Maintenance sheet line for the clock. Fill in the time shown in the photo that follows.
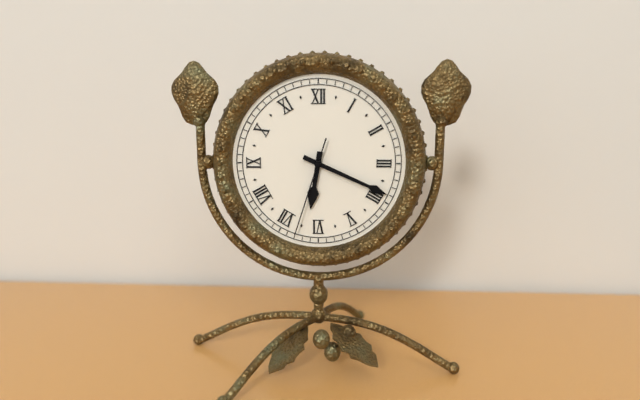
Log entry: 6:19:33
